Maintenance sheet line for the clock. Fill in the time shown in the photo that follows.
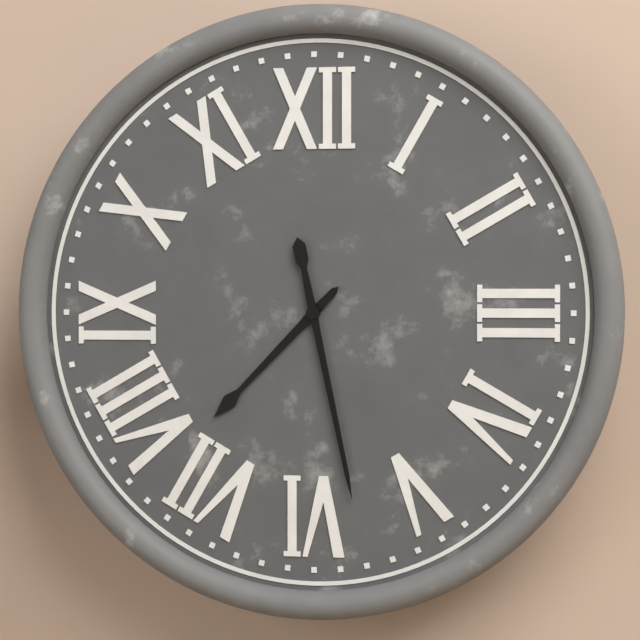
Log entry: 7:28
